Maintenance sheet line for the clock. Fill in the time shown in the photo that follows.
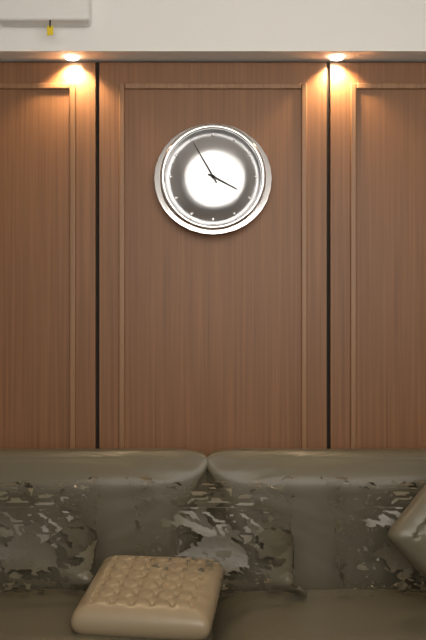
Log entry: 3:55
